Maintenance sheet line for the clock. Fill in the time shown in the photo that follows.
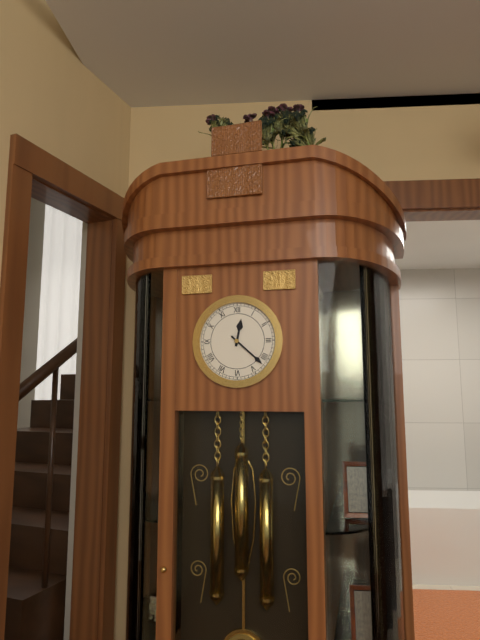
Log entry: 12:22
